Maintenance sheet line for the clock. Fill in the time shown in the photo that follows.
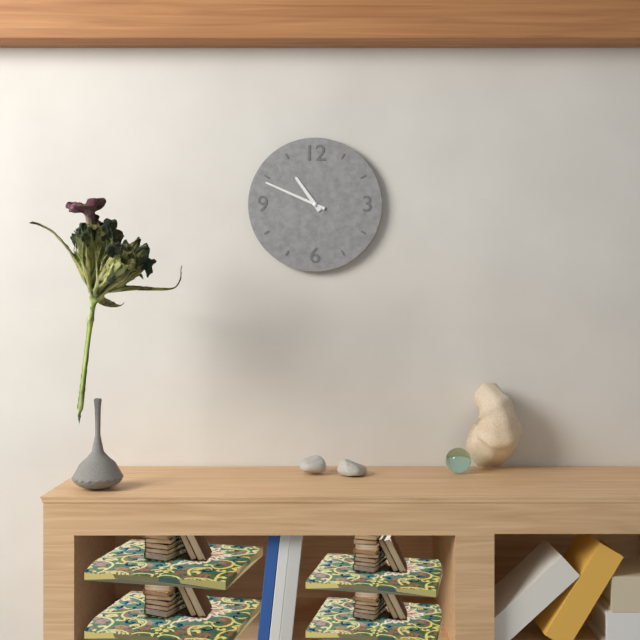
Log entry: 10:49
